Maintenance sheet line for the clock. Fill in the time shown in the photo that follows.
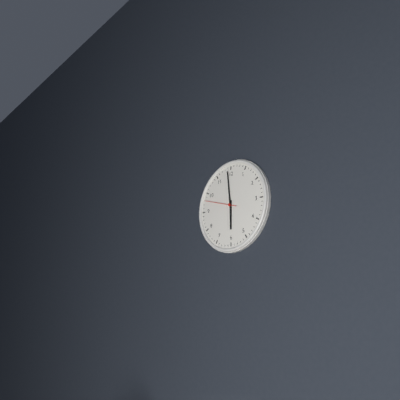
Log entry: 5:59
